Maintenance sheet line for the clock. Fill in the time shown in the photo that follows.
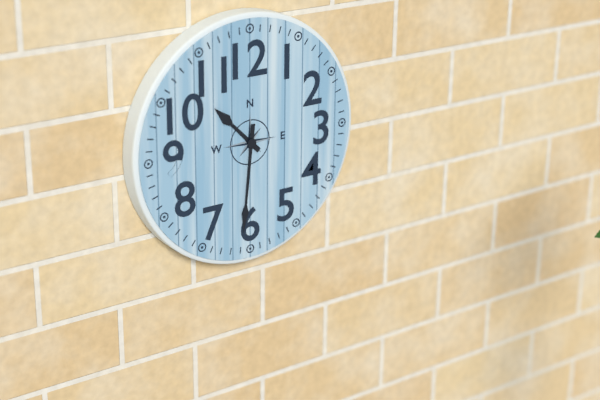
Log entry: 10:31
